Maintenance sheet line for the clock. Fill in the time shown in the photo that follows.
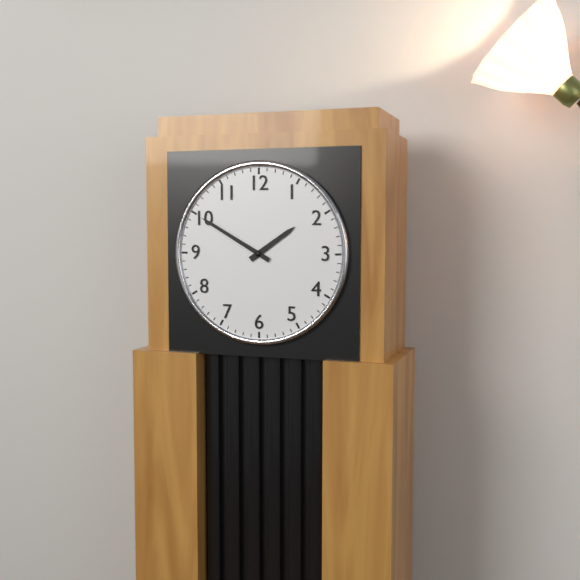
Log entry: 1:50
